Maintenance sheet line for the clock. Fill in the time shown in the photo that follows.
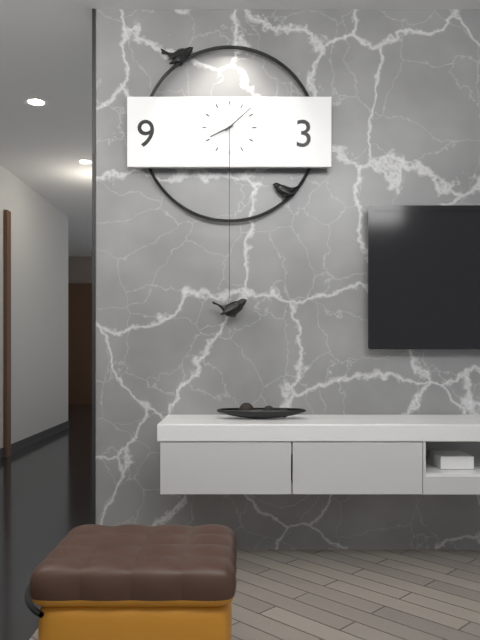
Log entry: 8:08
